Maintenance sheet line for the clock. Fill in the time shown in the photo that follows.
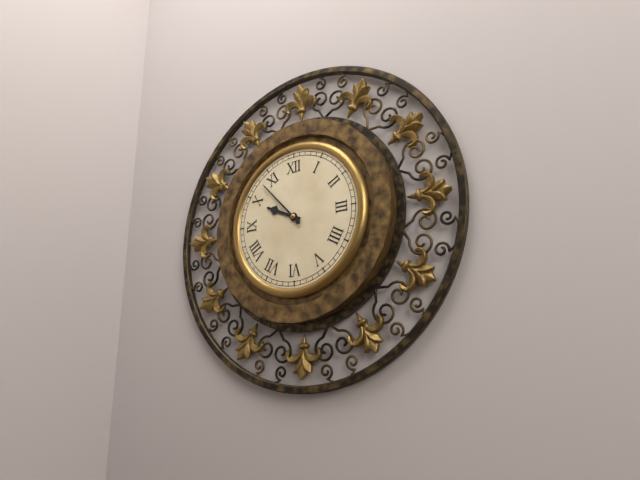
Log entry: 9:53
